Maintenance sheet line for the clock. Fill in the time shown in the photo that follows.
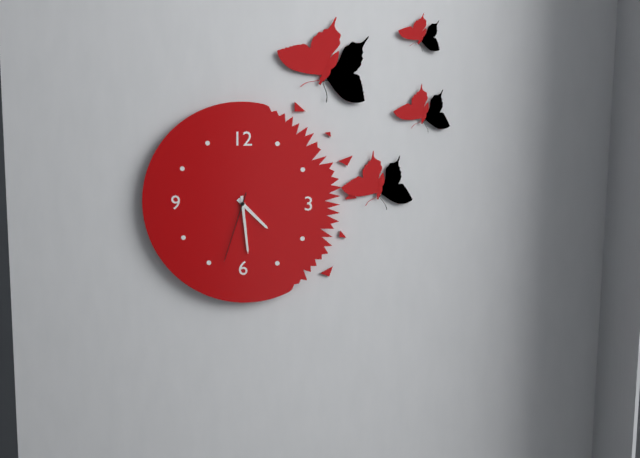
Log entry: 4:29:33
